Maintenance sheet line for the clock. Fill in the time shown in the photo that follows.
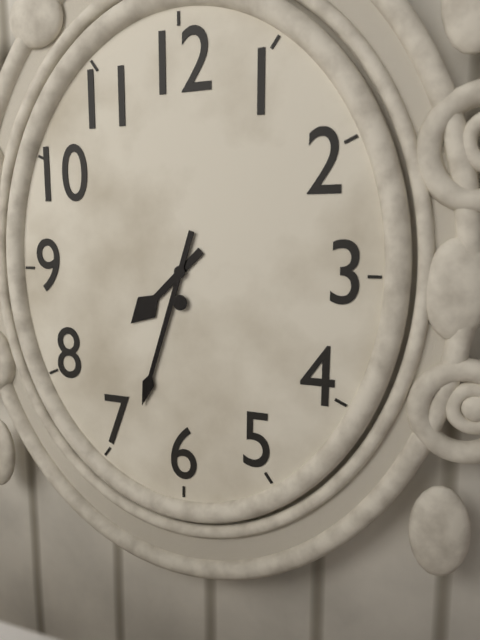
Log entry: 7:33
